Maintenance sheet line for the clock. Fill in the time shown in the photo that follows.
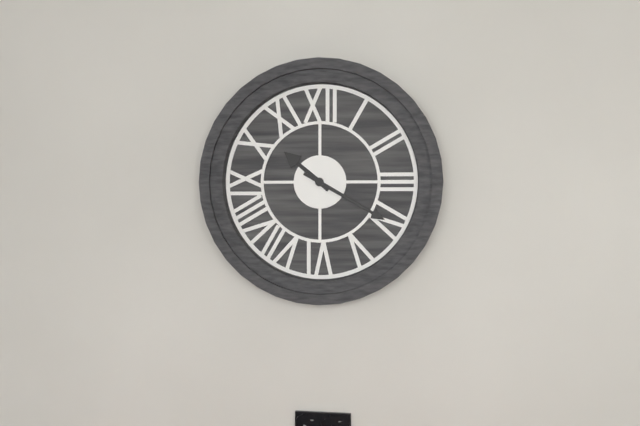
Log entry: 10:20
